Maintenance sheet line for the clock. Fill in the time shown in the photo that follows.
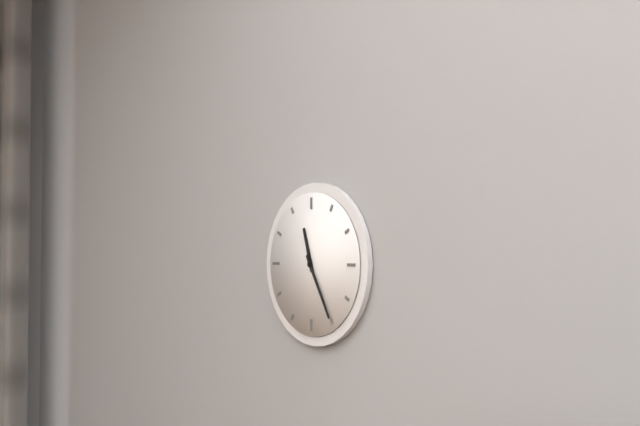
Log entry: 11:25
